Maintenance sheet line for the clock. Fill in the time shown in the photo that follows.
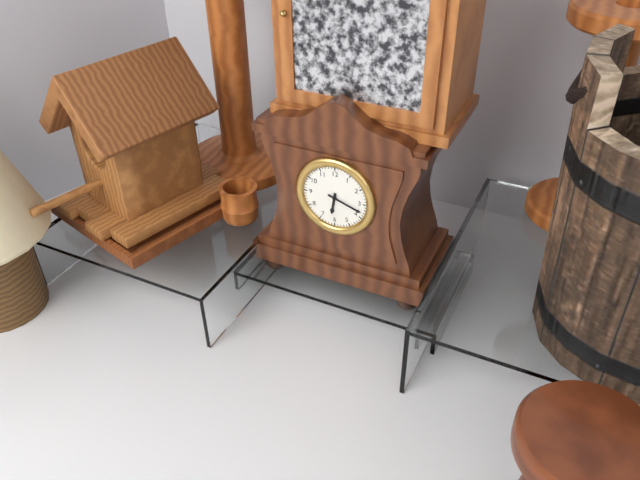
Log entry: 6:18
